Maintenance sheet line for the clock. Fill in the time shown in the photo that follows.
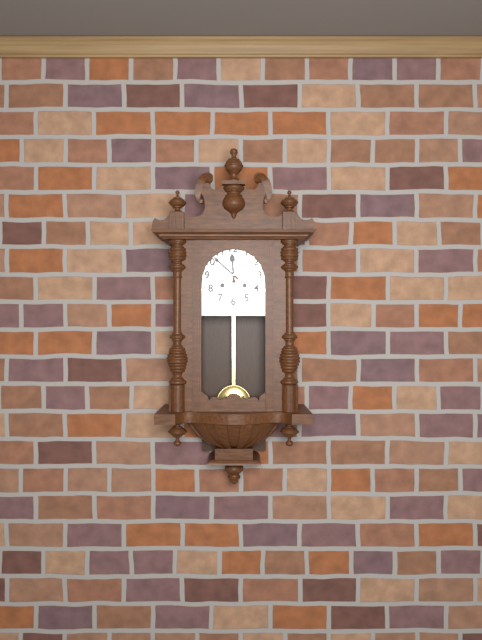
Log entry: 11:52
